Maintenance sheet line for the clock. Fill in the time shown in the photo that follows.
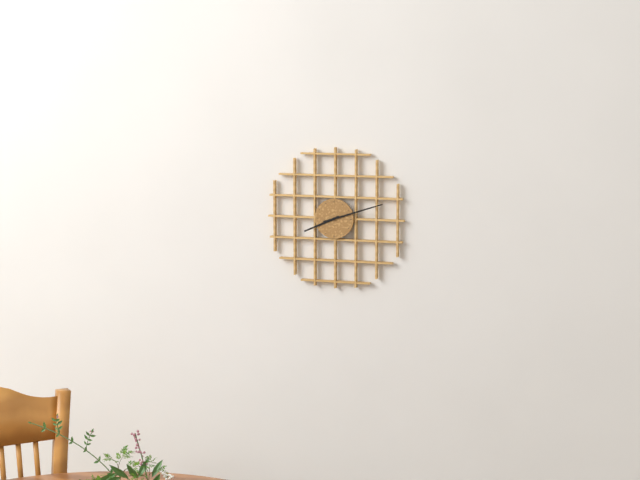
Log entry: 8:12
